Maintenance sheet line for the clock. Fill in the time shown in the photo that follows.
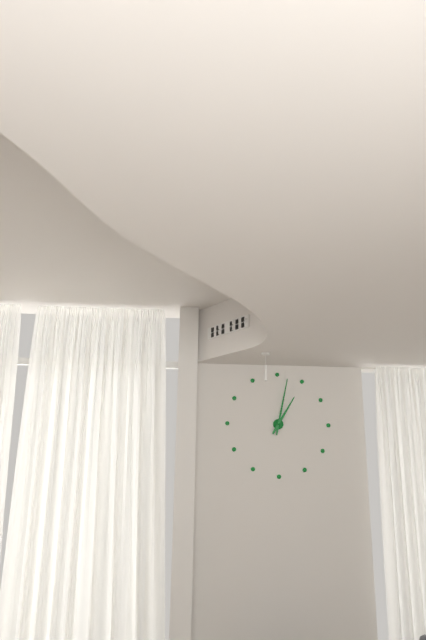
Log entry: 1:02
